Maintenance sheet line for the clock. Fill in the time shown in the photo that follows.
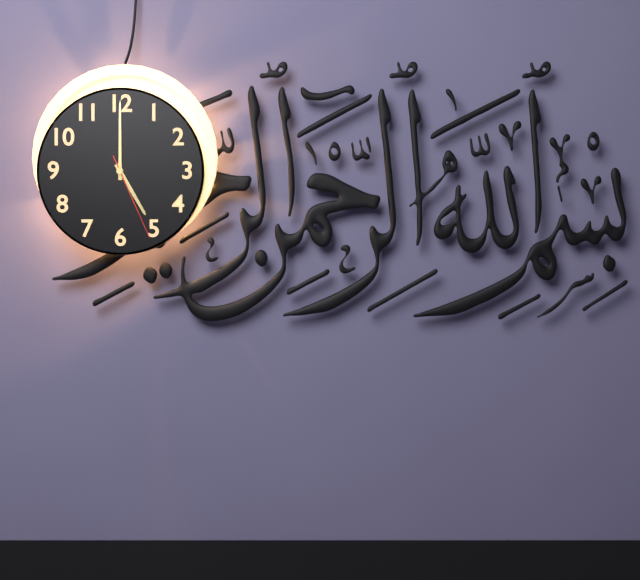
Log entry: 5:00:26
